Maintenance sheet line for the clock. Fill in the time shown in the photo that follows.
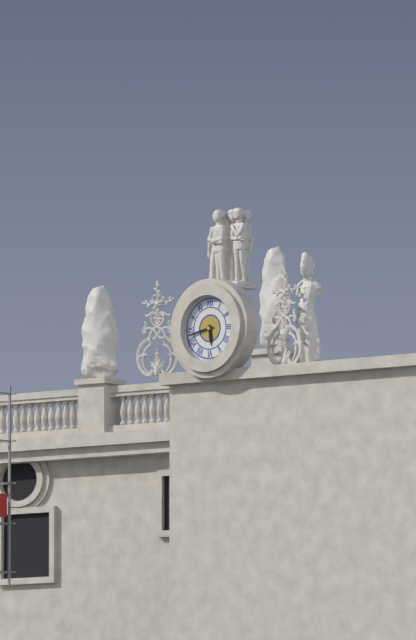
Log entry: 5:43
